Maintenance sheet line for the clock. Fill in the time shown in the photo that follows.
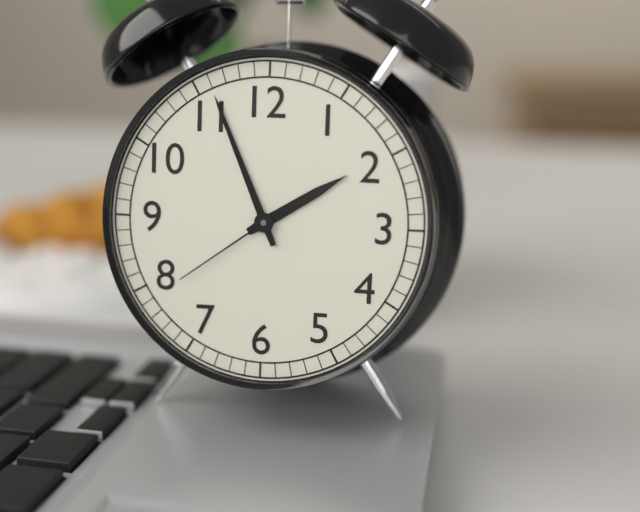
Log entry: 1:56:39
